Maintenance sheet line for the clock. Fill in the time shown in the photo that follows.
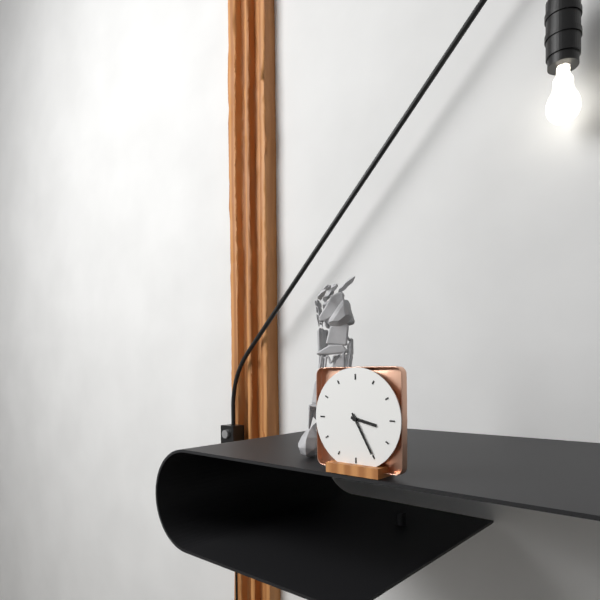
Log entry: 3:25
